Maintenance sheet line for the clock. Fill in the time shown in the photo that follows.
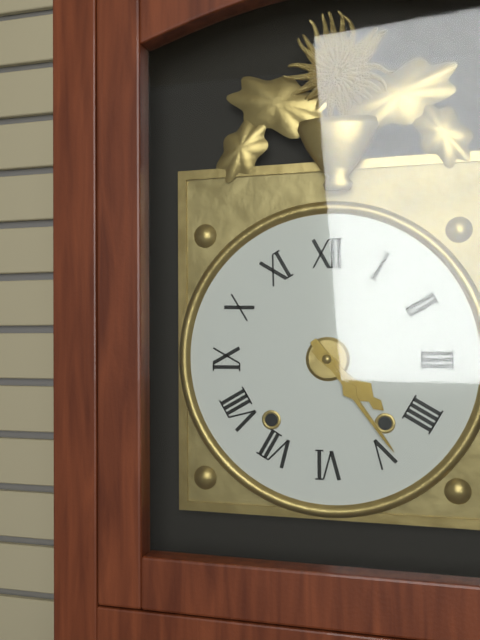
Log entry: 4:24
